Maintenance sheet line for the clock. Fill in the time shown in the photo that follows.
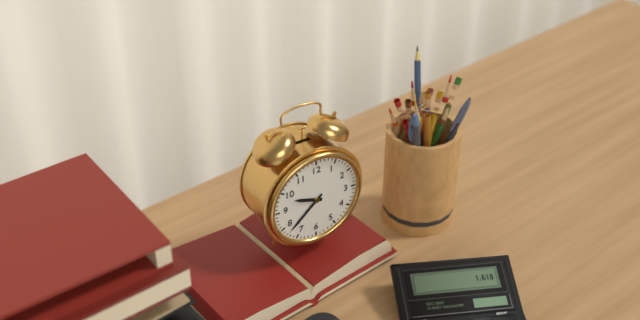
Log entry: 9:38
